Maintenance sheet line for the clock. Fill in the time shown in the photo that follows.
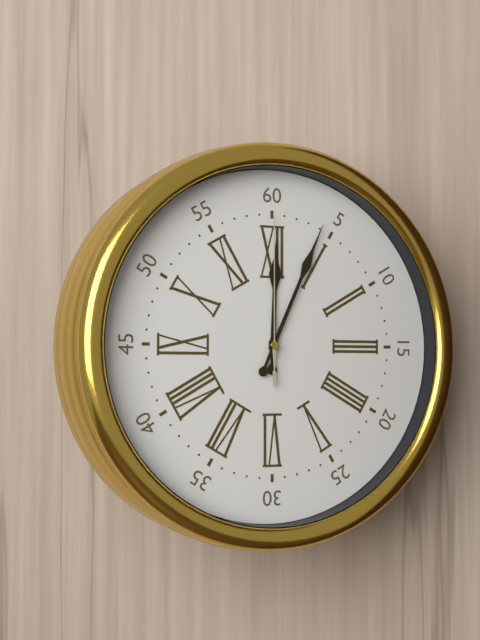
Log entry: 12:04:00
